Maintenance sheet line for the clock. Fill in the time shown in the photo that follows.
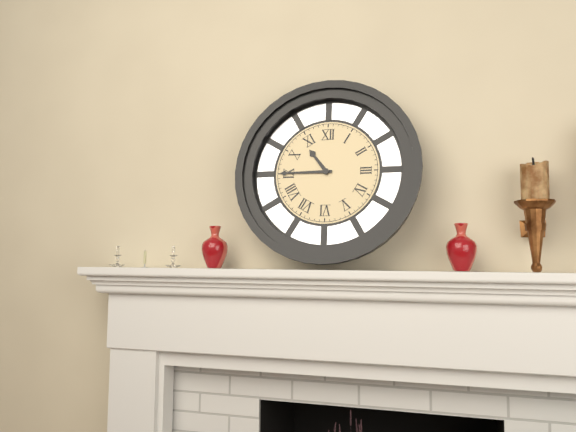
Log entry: 10:45
